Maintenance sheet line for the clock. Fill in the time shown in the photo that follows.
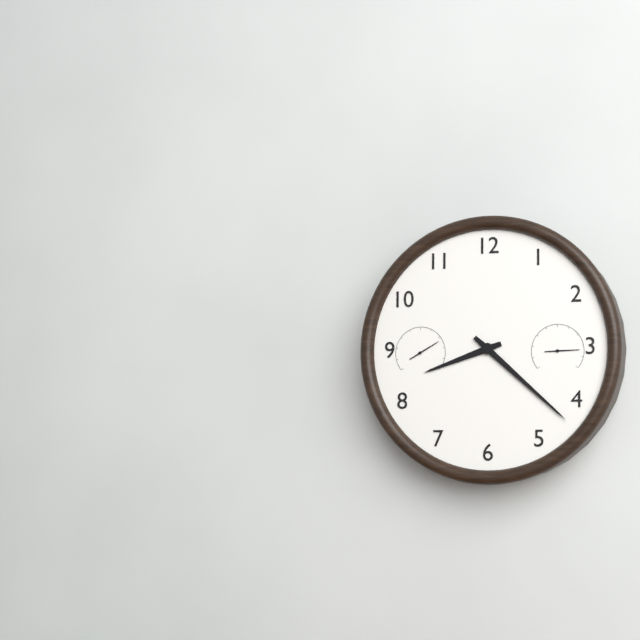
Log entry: 8:22
